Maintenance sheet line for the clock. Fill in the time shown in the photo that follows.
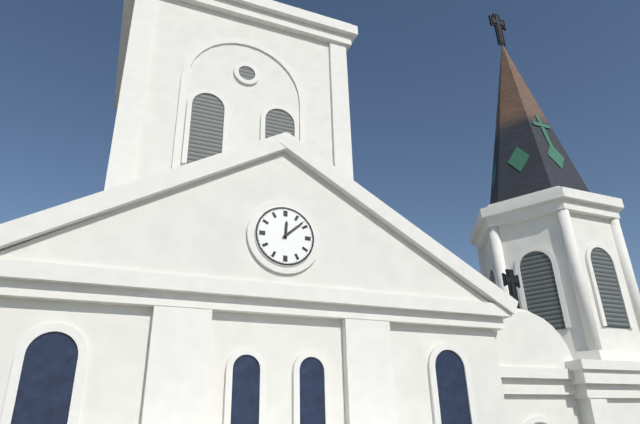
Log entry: 12:08
